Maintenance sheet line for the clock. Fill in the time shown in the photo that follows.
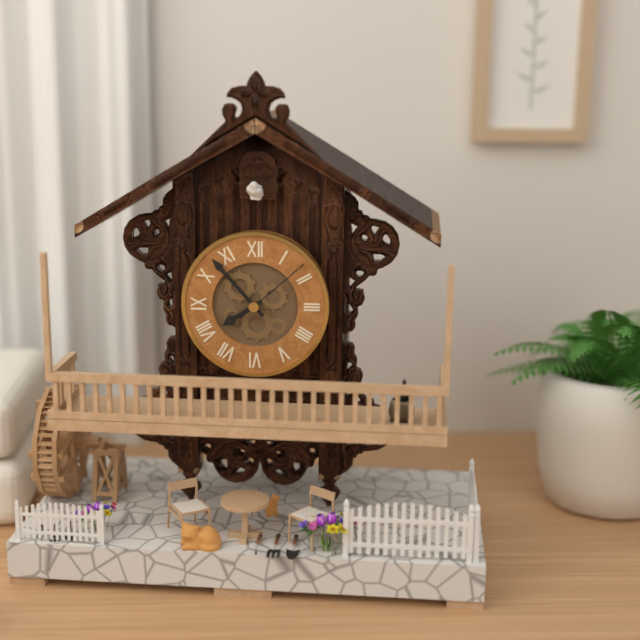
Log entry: 7:53:08
